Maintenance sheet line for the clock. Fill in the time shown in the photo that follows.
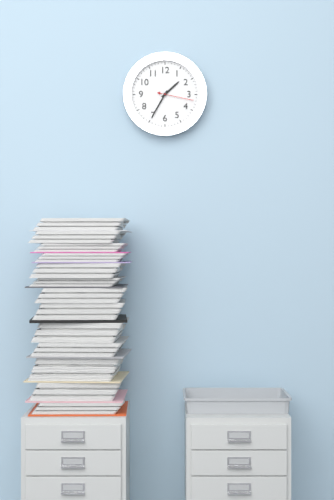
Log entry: 1:35
